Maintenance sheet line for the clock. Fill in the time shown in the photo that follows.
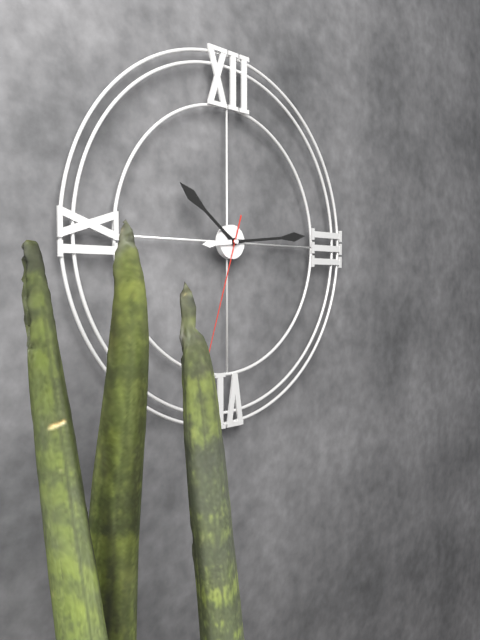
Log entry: 10:14:33
